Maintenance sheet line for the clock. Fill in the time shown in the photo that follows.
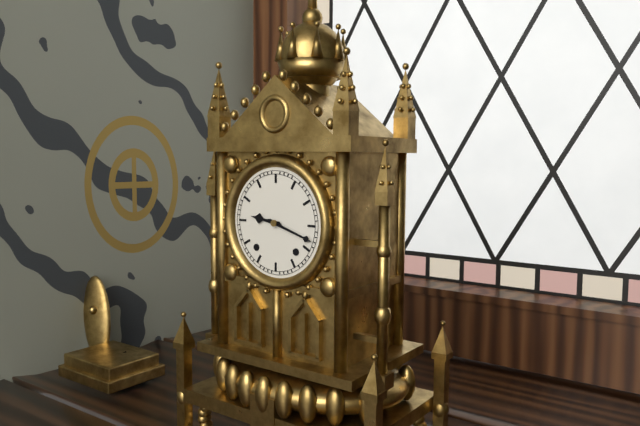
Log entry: 9:18
